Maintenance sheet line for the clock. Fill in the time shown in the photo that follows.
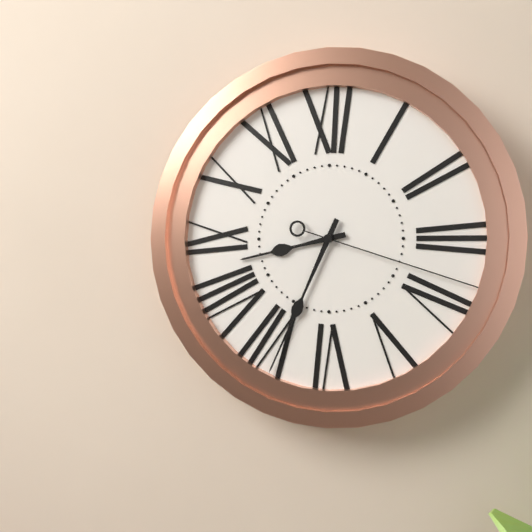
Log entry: 8:34:18
